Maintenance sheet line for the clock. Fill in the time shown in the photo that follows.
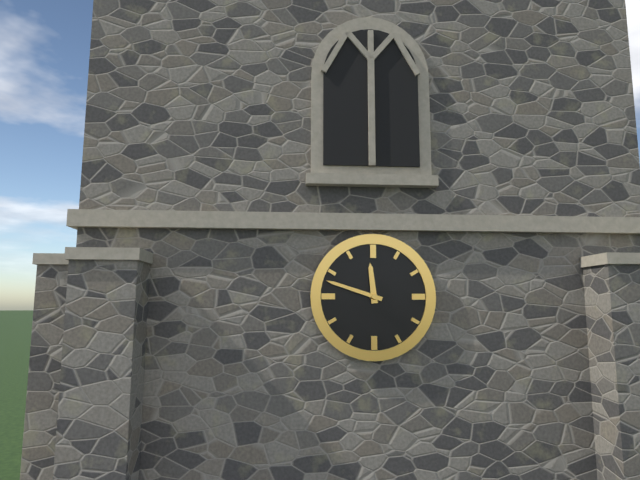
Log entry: 11:48
